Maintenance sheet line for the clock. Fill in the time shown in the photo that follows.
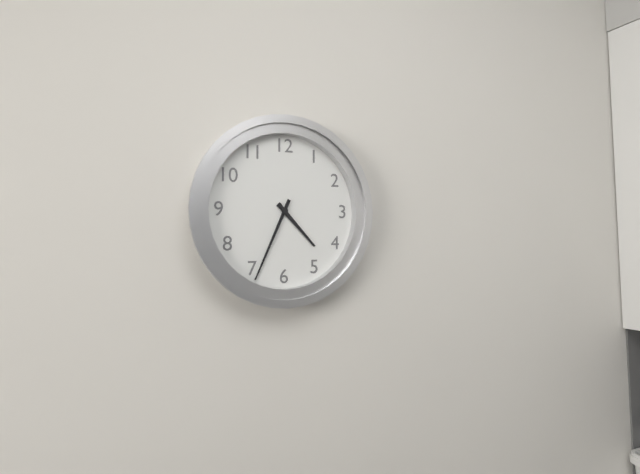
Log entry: 4:34
